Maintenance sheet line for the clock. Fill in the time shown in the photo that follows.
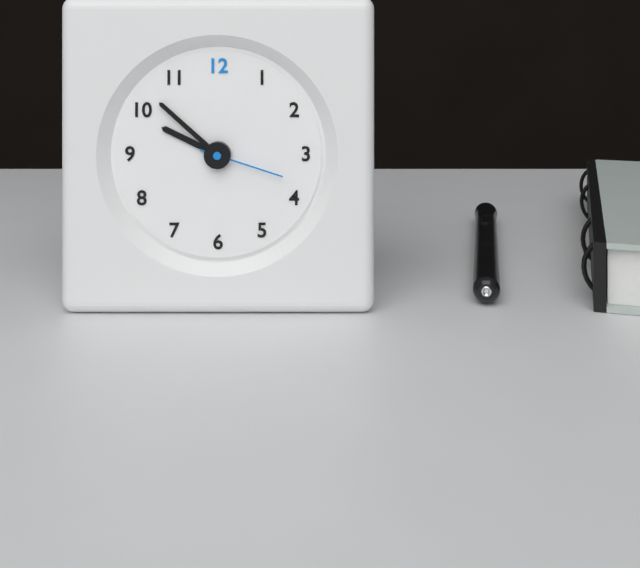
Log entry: 9:52:18
